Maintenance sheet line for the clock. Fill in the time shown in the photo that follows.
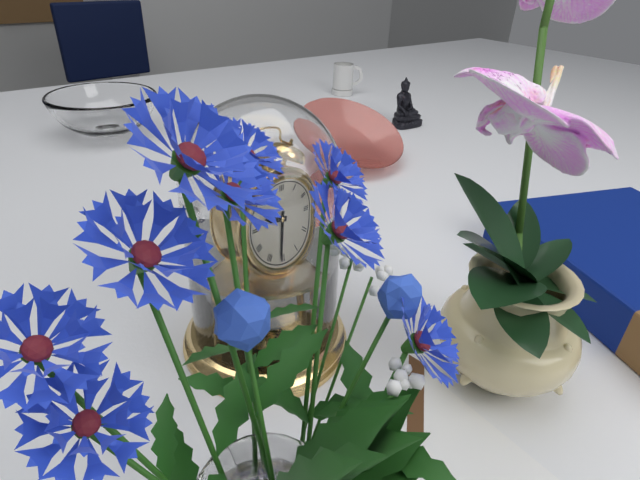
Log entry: 9:31
